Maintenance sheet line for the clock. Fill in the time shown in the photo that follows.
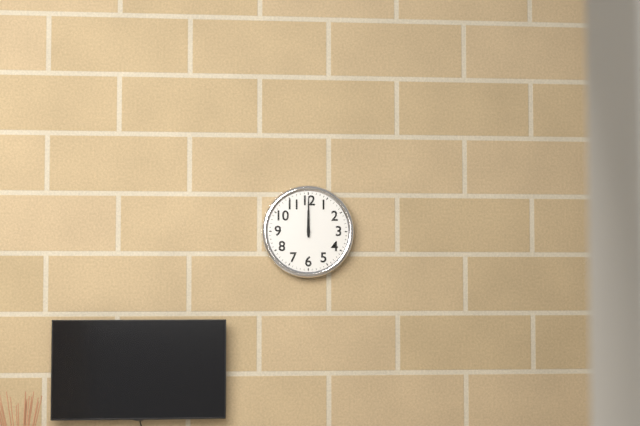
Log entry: 12:00
